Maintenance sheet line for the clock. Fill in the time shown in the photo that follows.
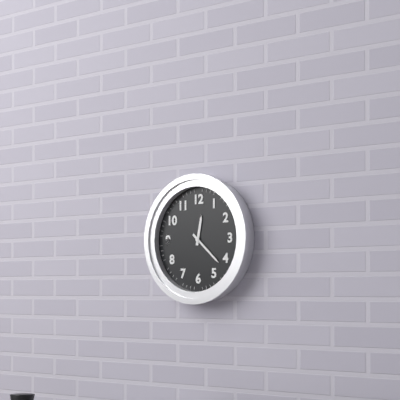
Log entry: 12:22
